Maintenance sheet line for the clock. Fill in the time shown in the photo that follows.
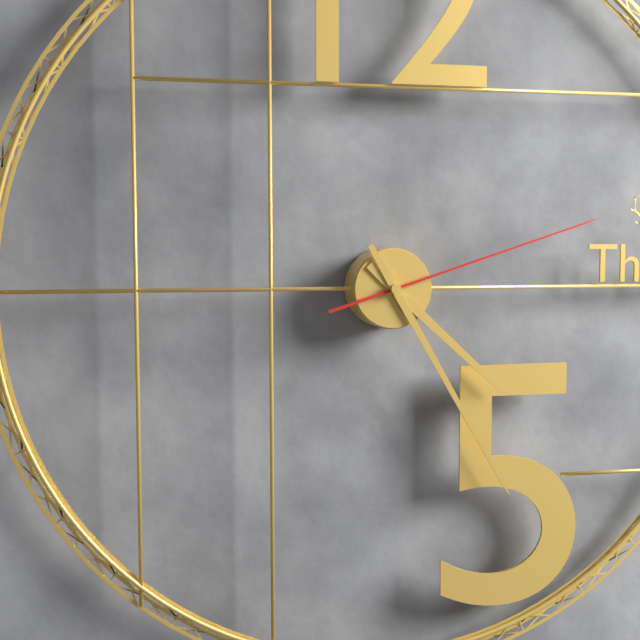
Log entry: 4:25:12
